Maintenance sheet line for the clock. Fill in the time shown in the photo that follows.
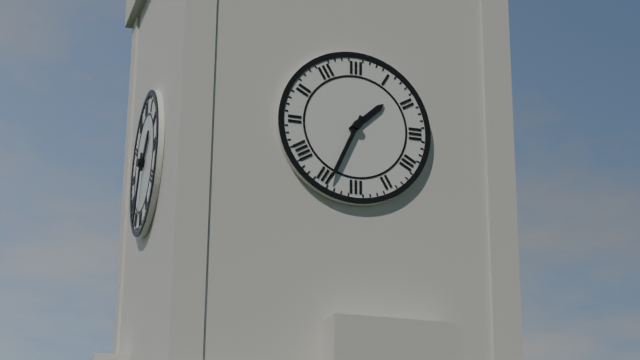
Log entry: 1:34
